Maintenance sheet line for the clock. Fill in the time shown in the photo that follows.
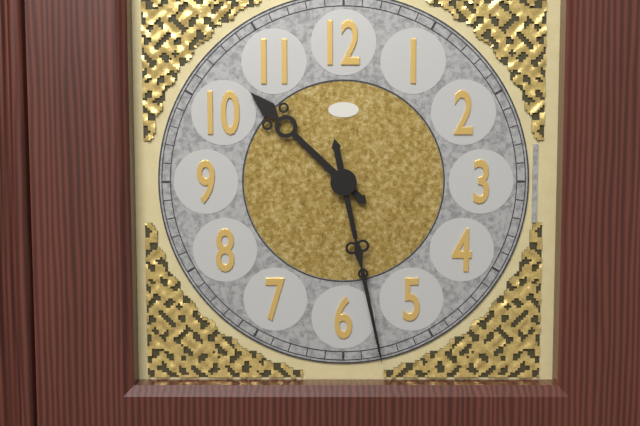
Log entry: 10:28
